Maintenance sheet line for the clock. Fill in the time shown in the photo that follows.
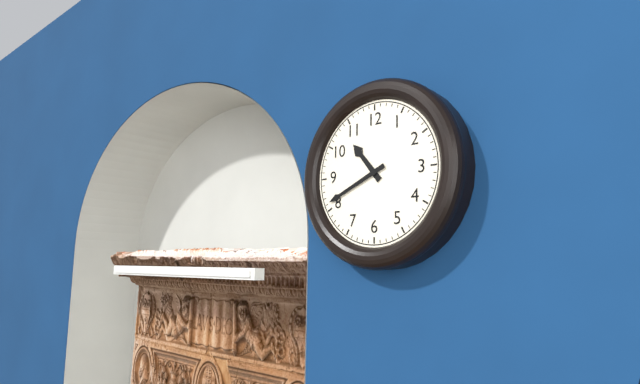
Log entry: 10:41
